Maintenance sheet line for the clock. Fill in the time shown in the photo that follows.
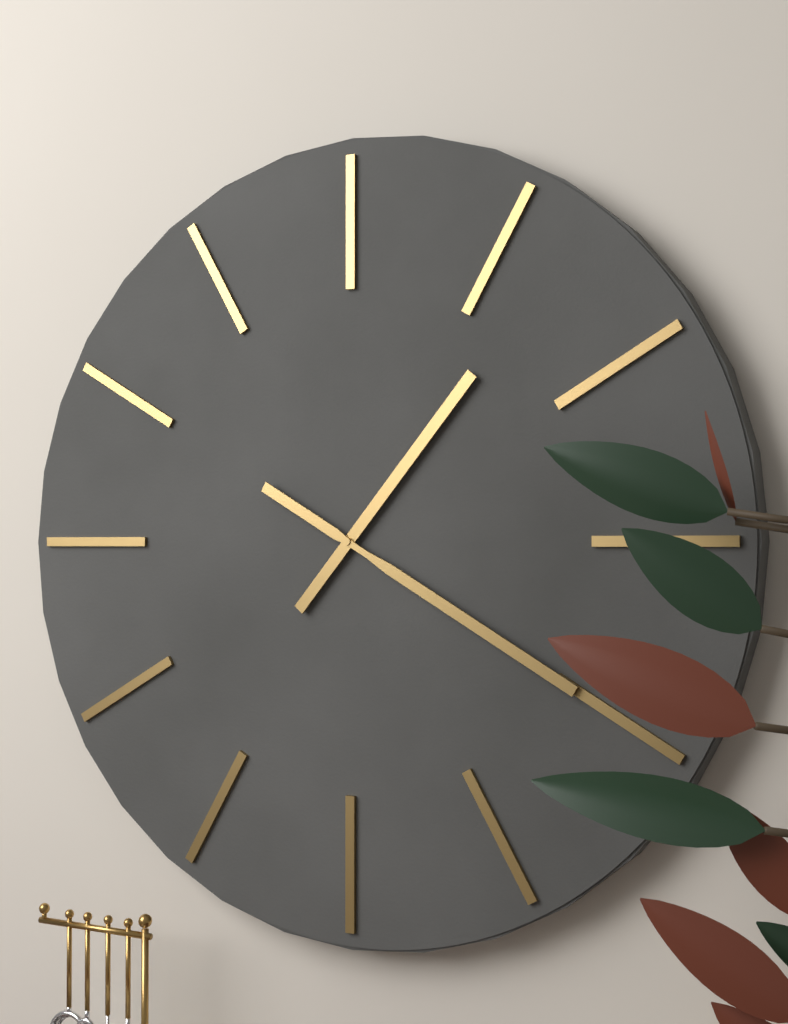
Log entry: 1:20
